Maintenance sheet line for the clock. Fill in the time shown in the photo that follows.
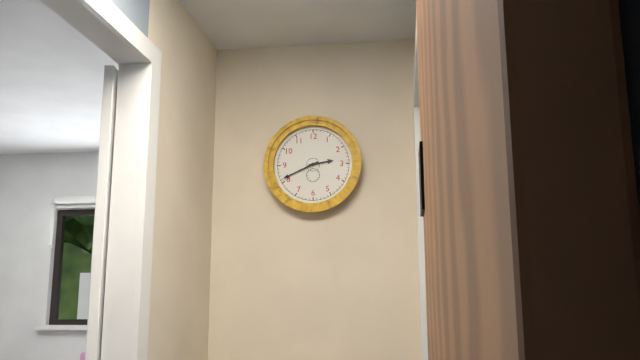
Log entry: 2:41
